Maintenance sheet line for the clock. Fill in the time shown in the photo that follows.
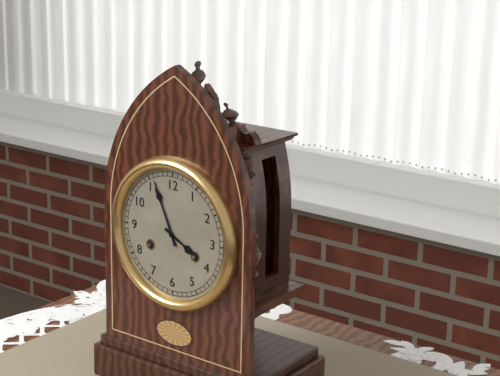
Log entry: 3:56
